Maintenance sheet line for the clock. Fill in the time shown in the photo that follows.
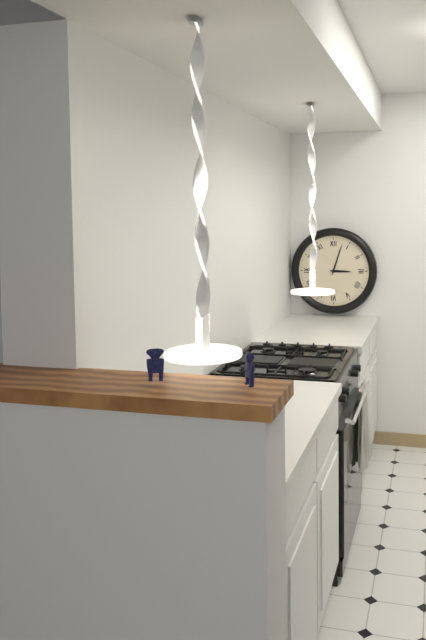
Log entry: 3:03
